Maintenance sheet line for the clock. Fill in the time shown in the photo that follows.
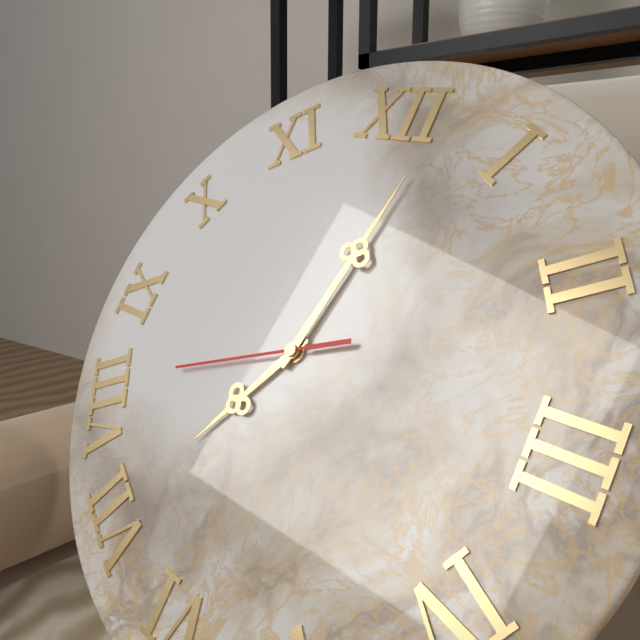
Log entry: 7:02:41
